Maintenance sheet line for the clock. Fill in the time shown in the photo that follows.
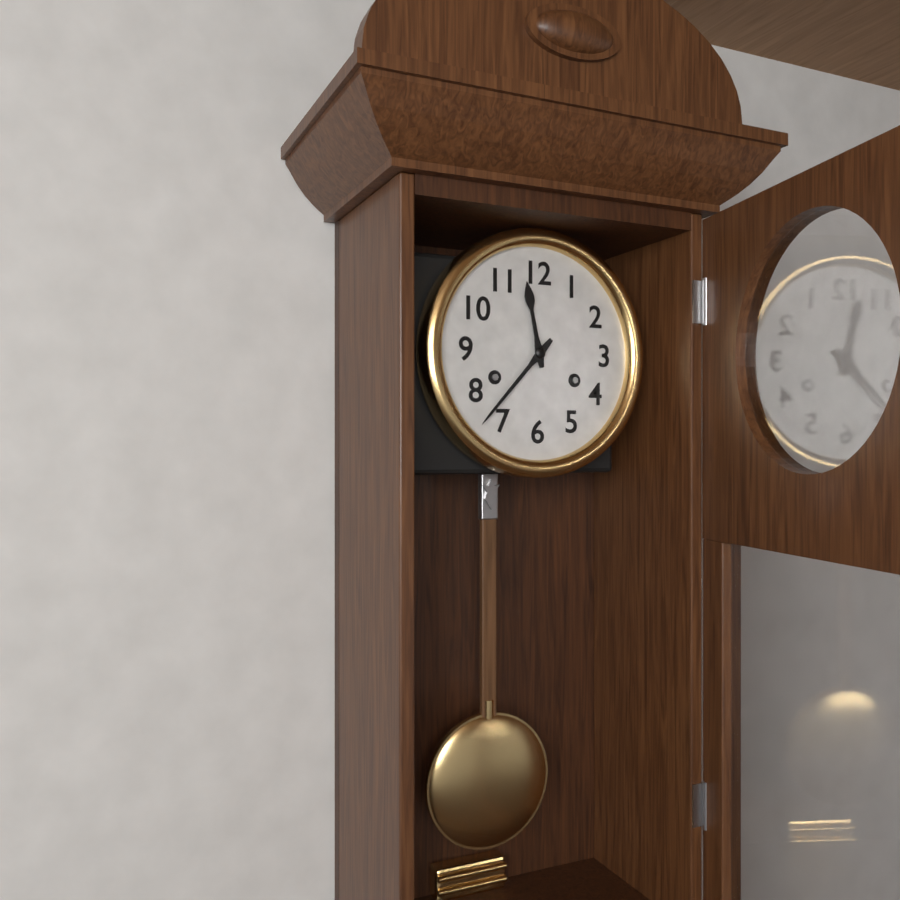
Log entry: 11:37
